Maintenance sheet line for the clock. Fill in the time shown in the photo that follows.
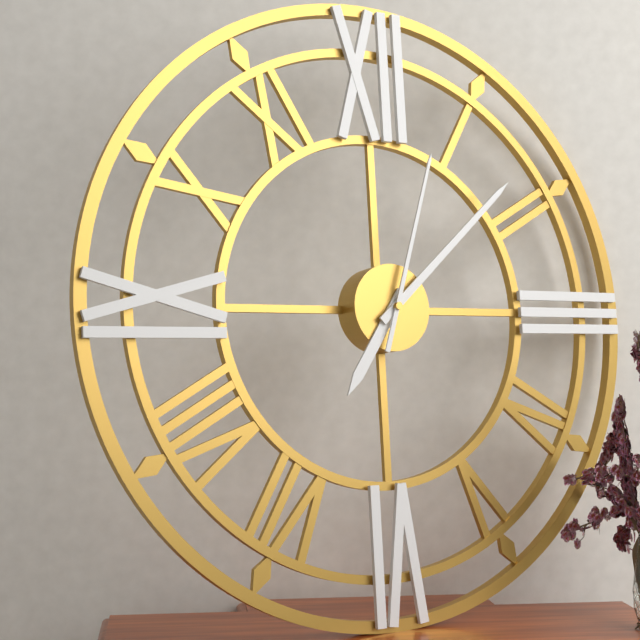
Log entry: 7:08:03
